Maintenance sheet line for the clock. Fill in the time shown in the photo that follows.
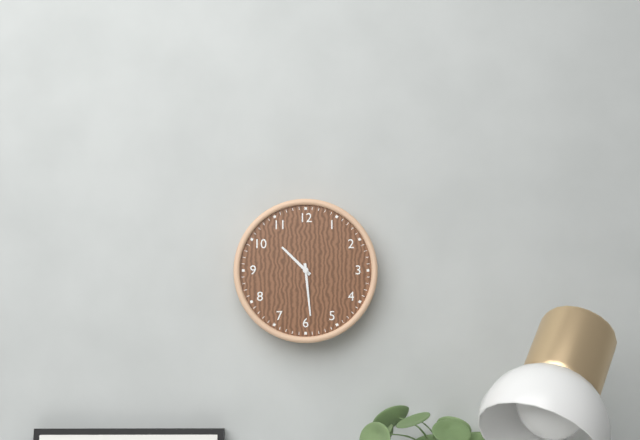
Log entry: 10:29
